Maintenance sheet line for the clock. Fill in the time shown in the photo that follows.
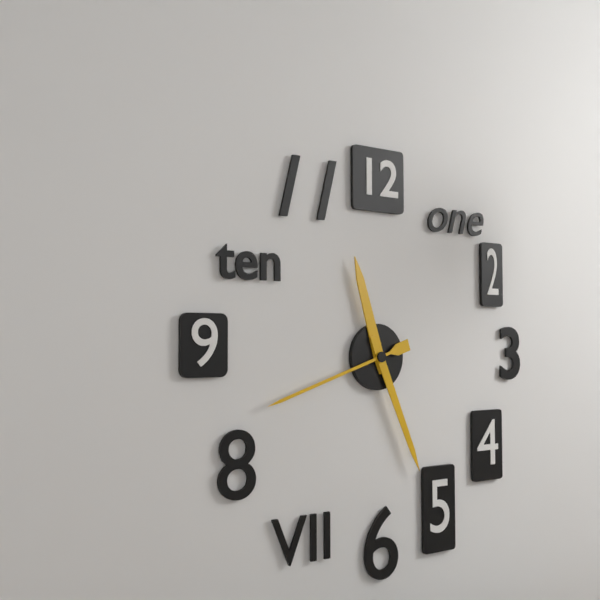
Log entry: 11:26:42
